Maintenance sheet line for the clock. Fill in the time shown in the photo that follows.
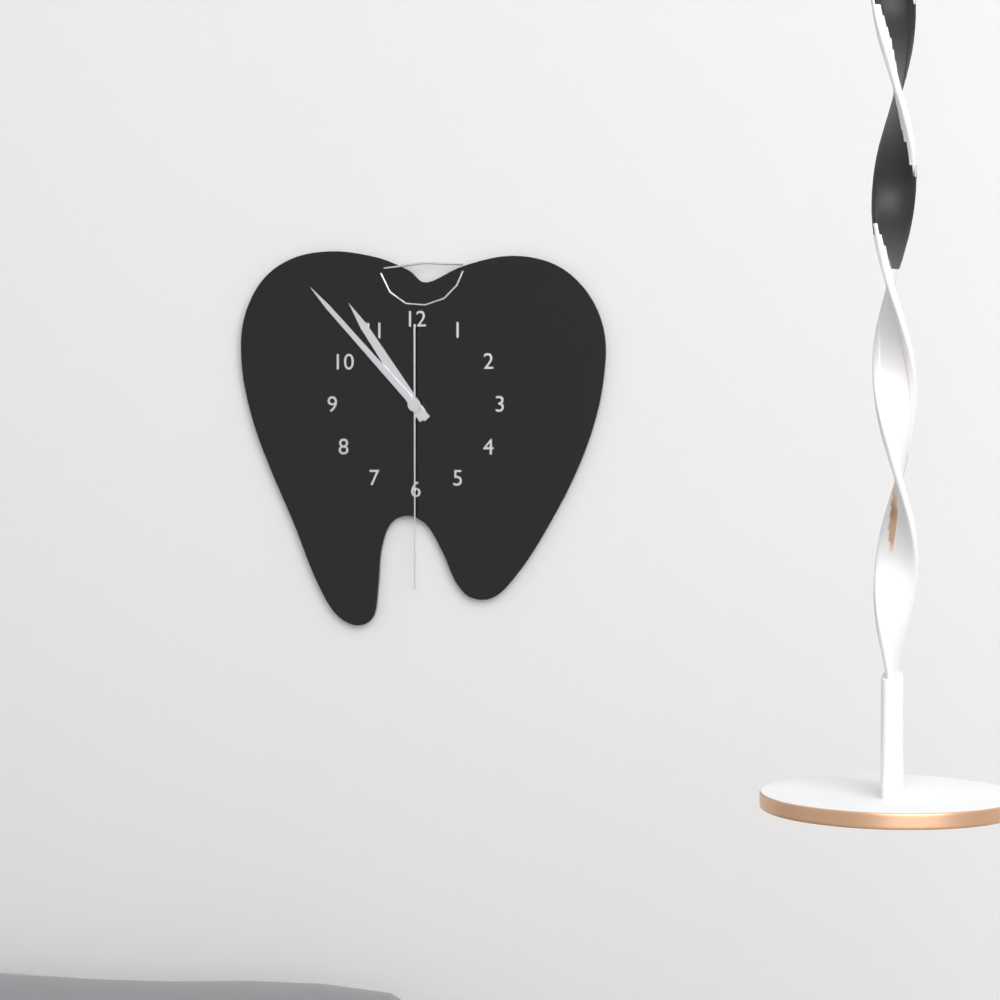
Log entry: 10:53:30
